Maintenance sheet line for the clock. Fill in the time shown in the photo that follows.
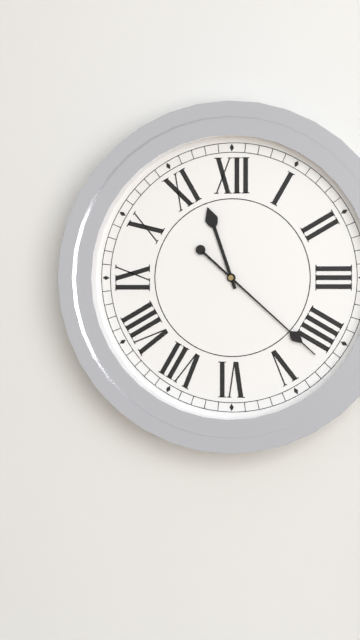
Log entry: 11:22
